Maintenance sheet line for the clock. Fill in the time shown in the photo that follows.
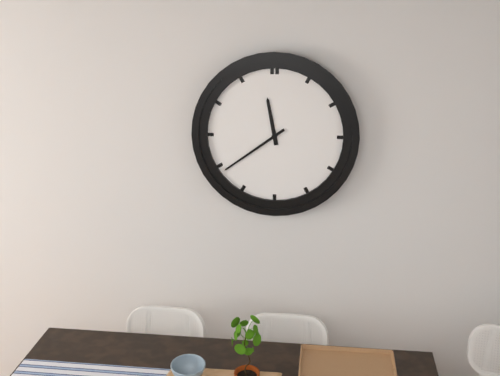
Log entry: 11:39
